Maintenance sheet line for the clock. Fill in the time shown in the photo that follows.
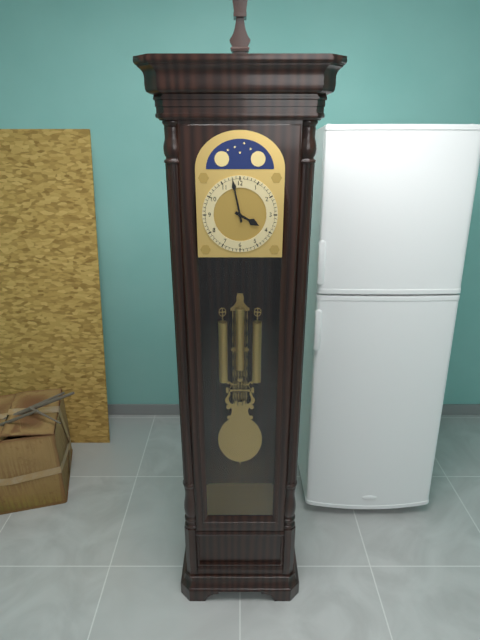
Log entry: 3:58
